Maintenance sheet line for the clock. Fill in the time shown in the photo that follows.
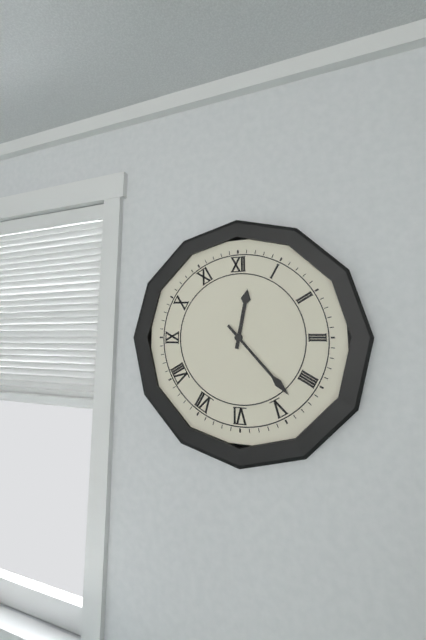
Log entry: 12:23
